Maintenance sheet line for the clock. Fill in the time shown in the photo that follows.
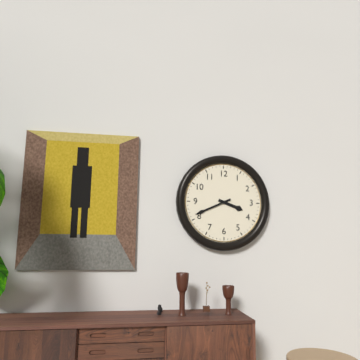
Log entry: 3:41
